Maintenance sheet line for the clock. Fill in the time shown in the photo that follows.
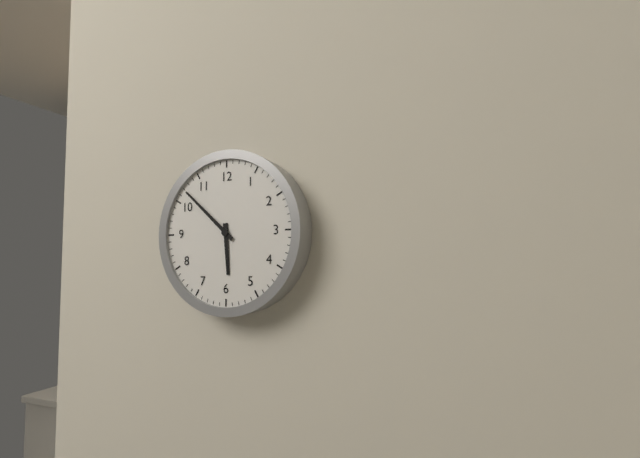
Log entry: 5:52
